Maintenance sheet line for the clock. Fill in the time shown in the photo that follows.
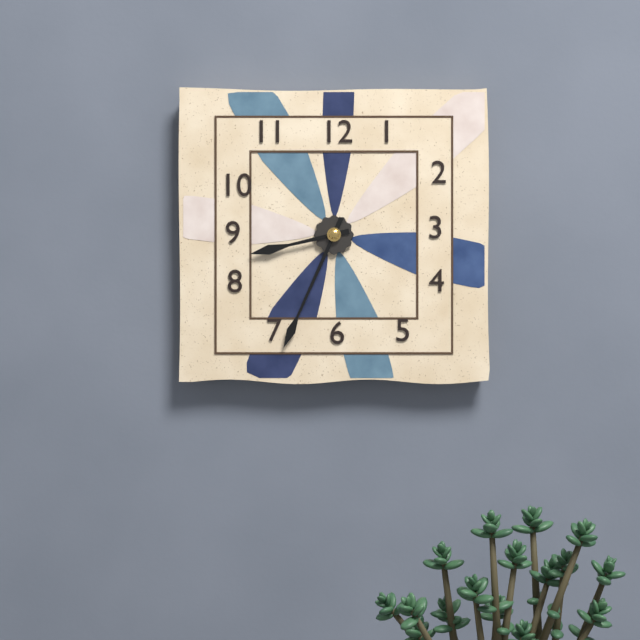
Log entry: 8:34
